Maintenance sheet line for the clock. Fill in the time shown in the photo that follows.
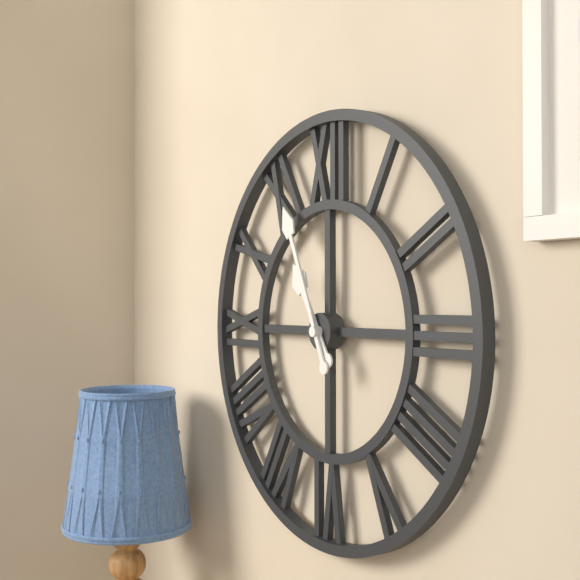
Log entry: 10:56
